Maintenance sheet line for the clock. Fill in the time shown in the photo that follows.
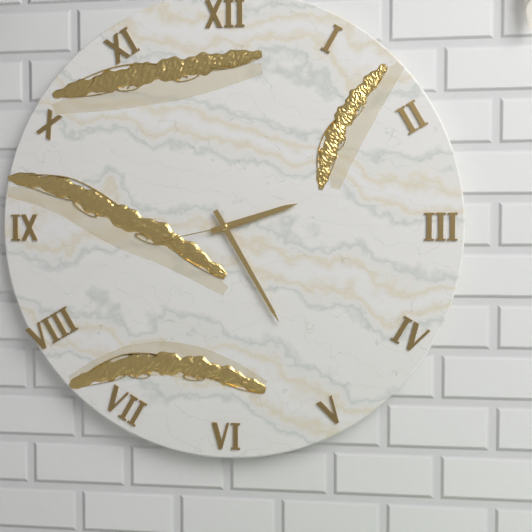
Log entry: 2:25:43
